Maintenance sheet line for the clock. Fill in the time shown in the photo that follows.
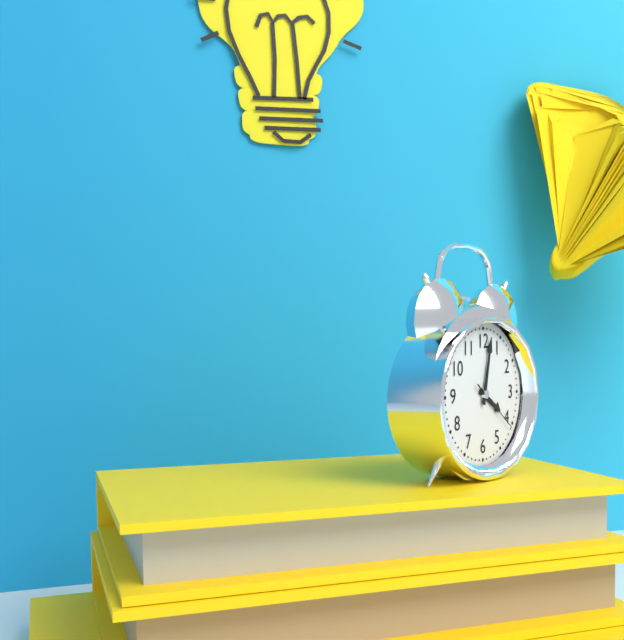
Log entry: 4:02:21
